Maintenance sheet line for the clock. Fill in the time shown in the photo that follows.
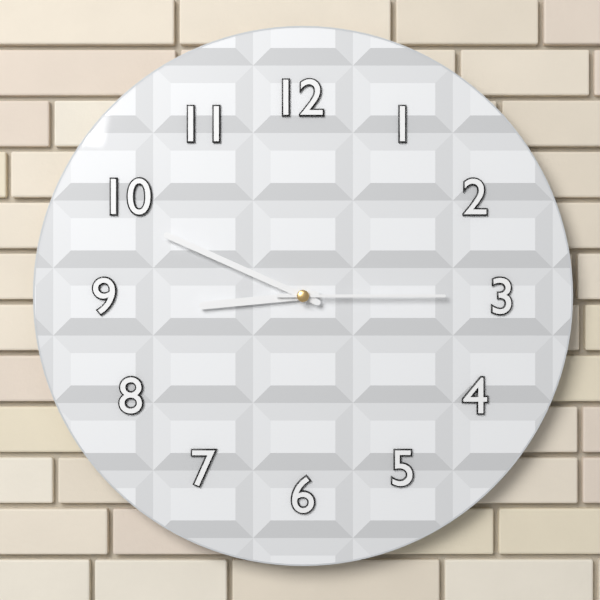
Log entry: 8:49:15
